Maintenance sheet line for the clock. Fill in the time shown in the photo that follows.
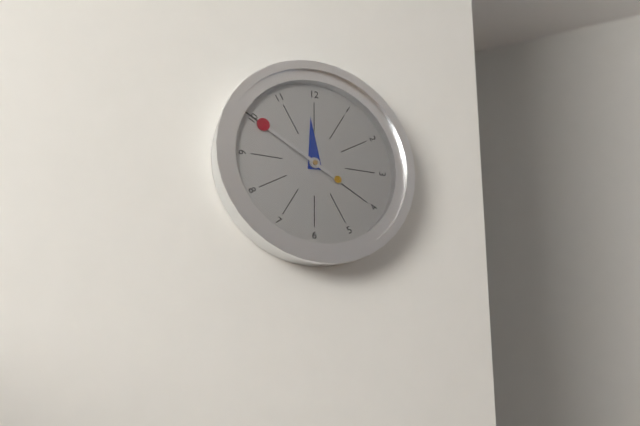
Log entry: 11:50:50
